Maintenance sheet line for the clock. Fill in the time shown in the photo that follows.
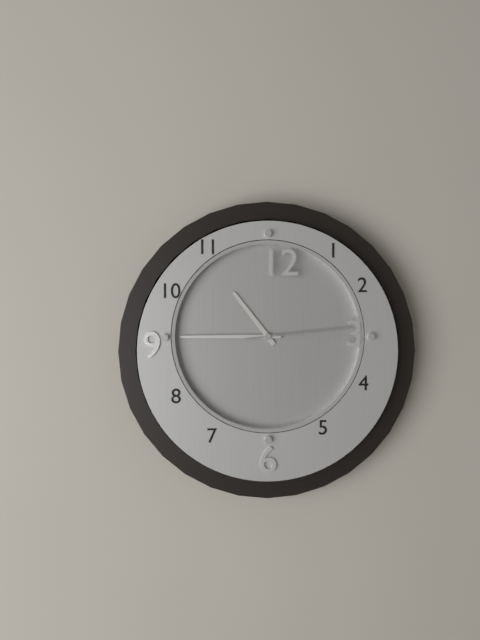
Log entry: 10:45:14
